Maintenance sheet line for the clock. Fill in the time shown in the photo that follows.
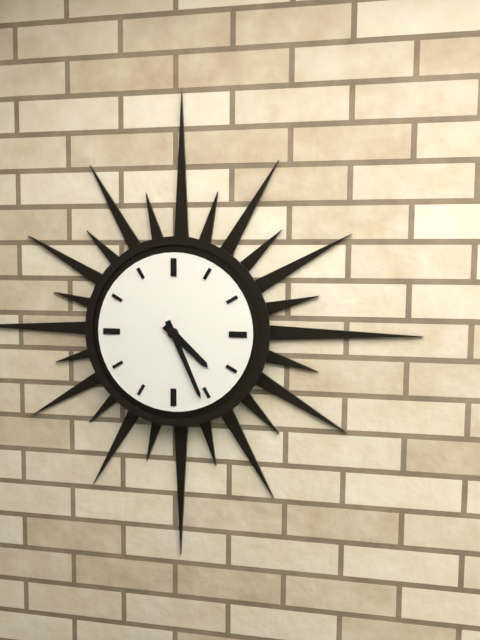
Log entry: 4:26
